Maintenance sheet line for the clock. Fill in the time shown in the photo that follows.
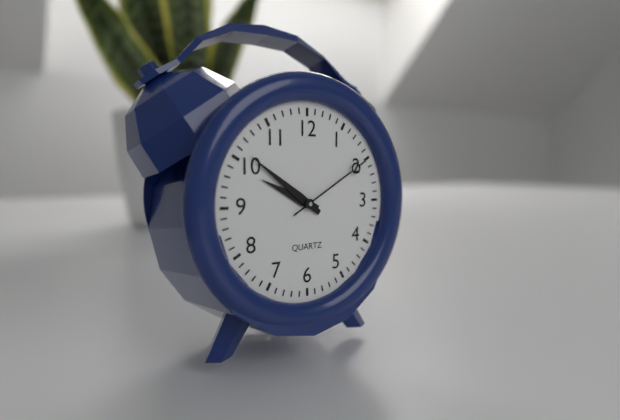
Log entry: 9:51:10
